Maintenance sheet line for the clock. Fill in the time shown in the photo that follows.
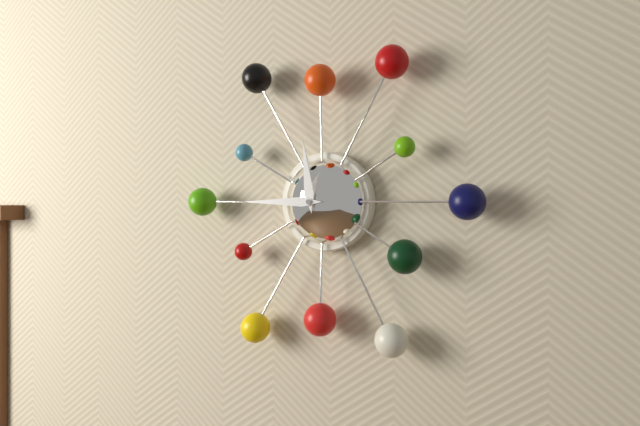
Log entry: 11:45
